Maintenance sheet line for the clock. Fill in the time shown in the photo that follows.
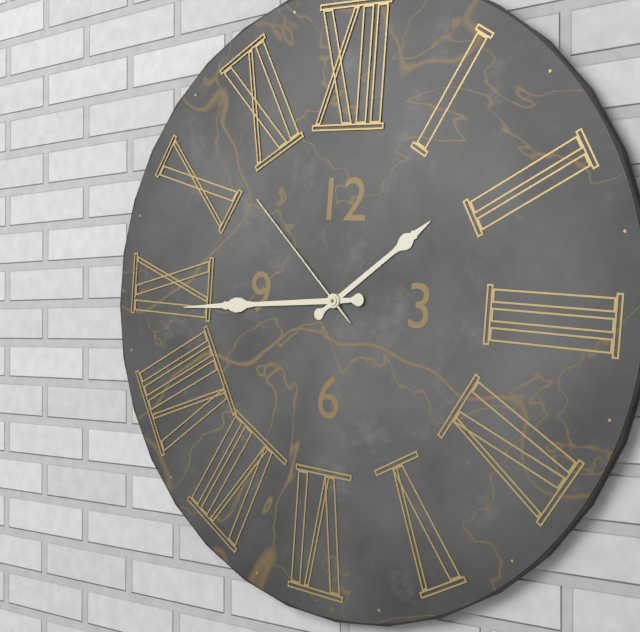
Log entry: 1:44:52
